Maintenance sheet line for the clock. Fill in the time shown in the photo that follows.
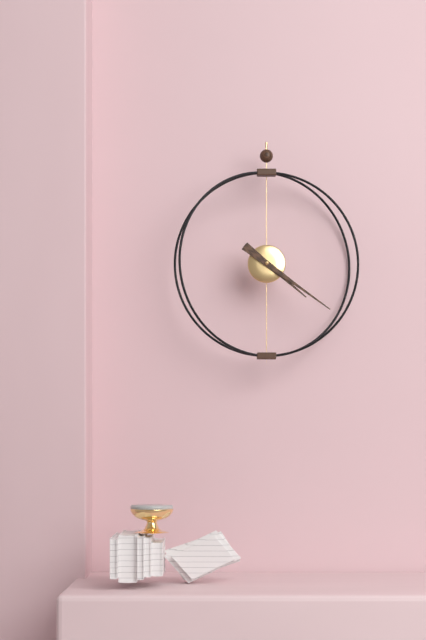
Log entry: 4:21
